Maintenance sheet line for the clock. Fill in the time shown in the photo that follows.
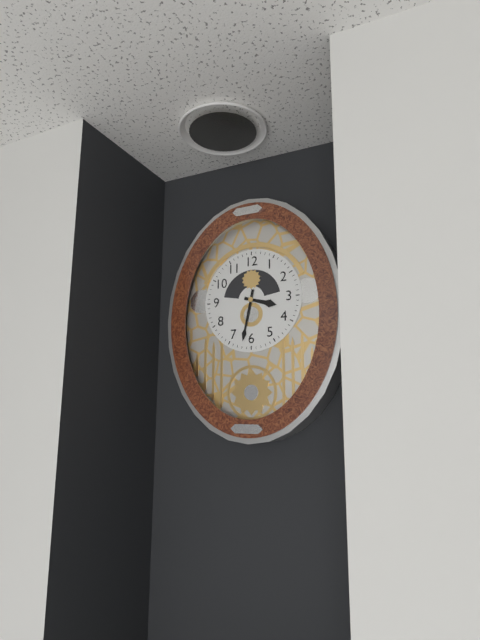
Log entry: 3:32
